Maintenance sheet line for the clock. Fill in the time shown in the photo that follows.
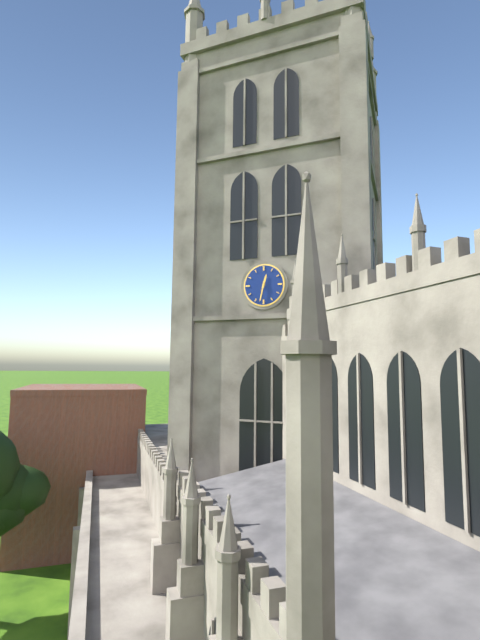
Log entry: 12:32
